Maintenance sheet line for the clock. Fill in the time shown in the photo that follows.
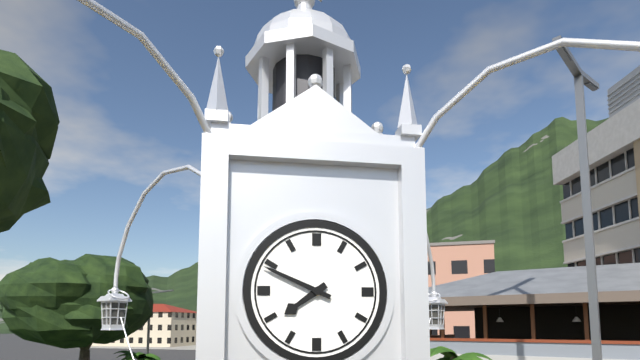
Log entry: 7:49
